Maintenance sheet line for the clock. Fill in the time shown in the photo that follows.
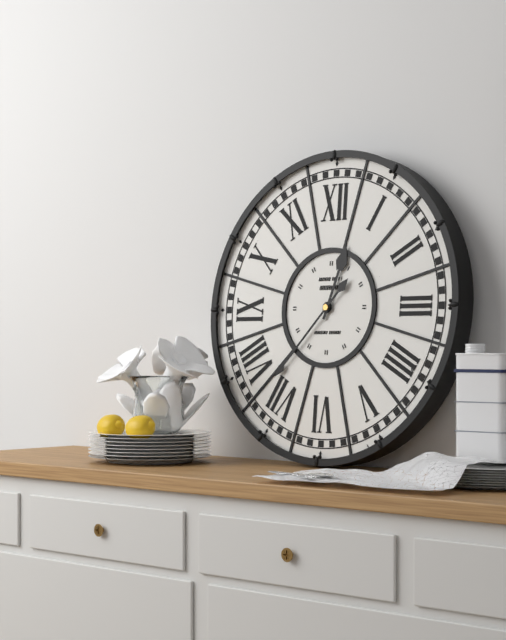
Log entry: 12:37
